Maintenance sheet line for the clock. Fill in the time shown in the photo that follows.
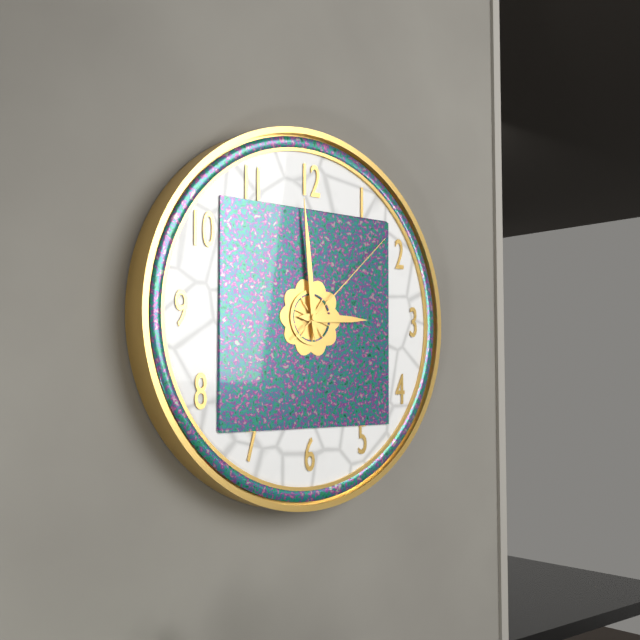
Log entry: 2:59:08
